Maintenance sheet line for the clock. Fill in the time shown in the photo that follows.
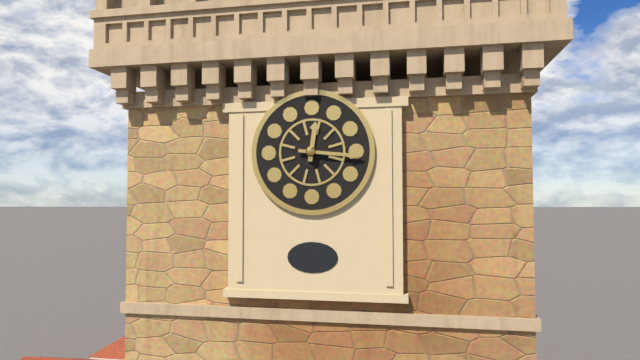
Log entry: 12:16
